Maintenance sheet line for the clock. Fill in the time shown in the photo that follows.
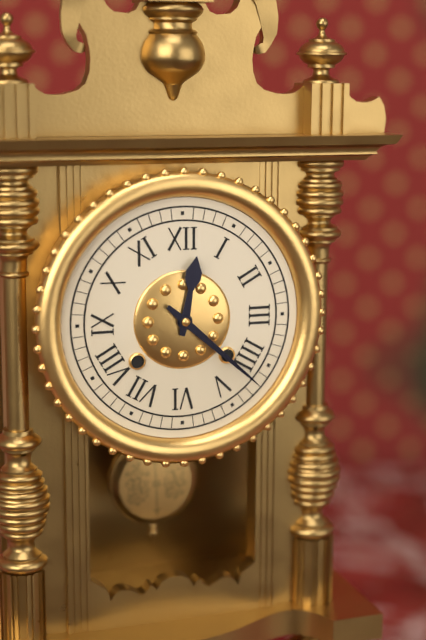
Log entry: 12:22
